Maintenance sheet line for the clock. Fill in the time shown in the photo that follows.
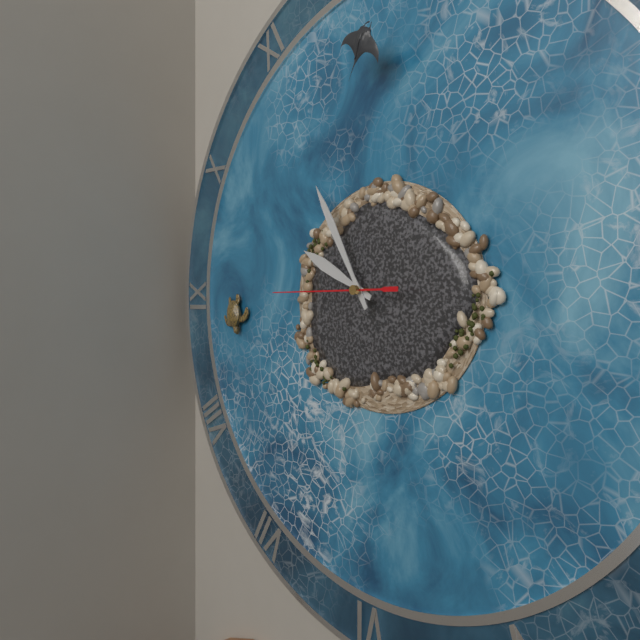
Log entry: 9:55:45
